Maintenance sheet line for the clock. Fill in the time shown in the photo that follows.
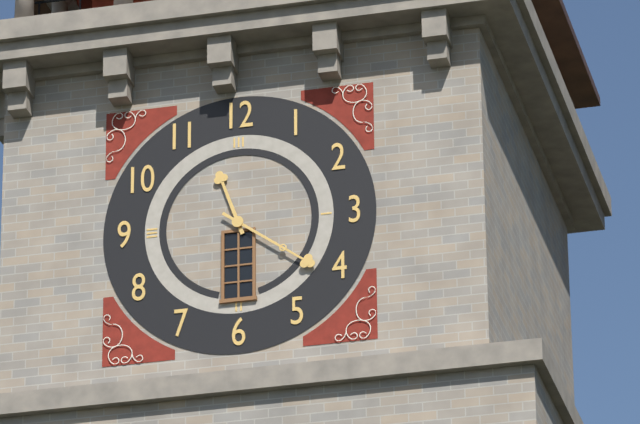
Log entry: 11:21
